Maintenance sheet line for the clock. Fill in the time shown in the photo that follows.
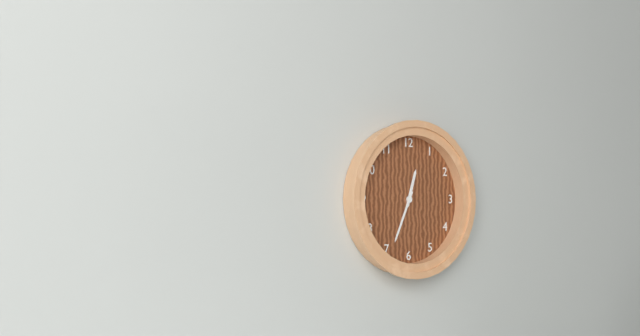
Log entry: 12:34
